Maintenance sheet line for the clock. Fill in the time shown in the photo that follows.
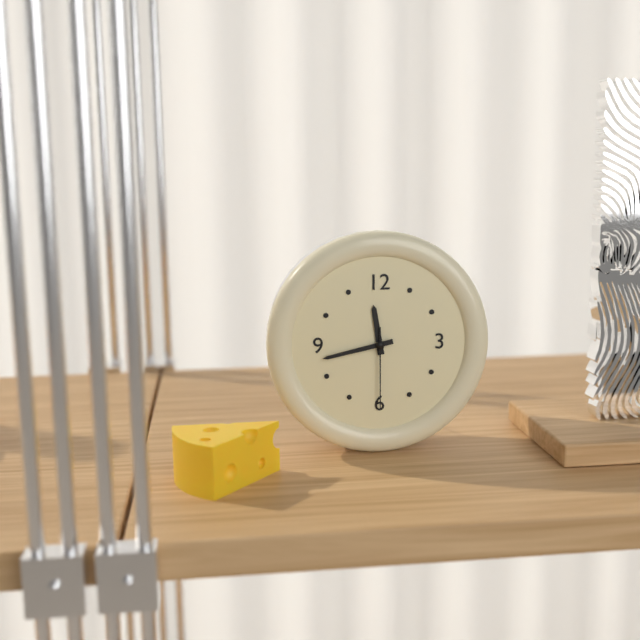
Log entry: 11:43:30
